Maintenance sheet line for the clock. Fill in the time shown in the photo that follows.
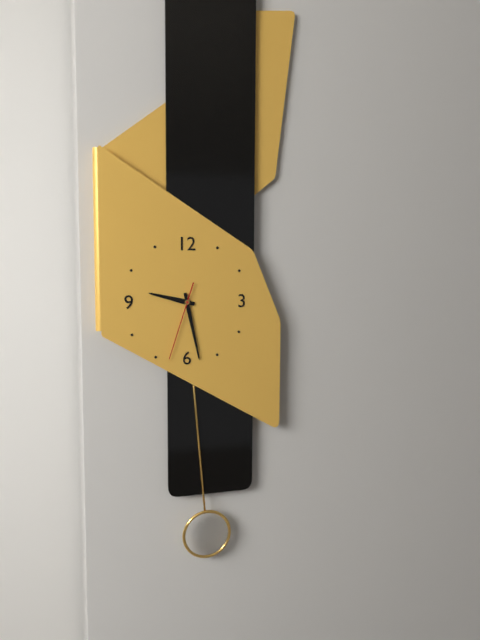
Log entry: 9:28:33
